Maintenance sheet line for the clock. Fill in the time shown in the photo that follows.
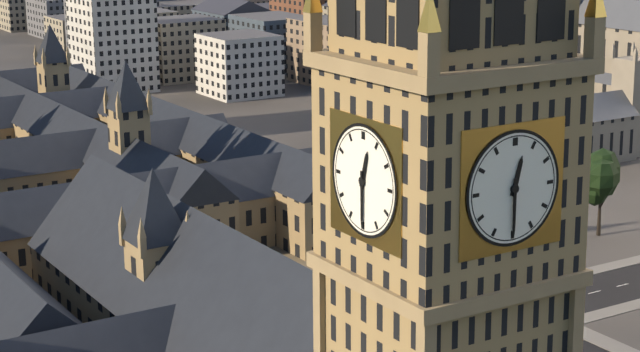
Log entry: 12:30
